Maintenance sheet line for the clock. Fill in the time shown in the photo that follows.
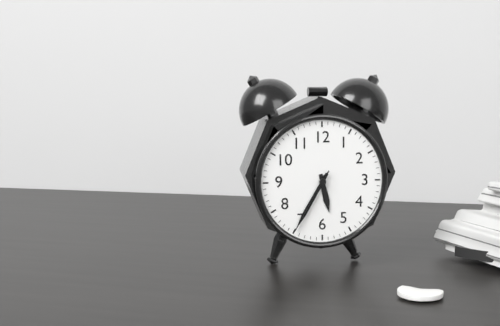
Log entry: 5:35:35
